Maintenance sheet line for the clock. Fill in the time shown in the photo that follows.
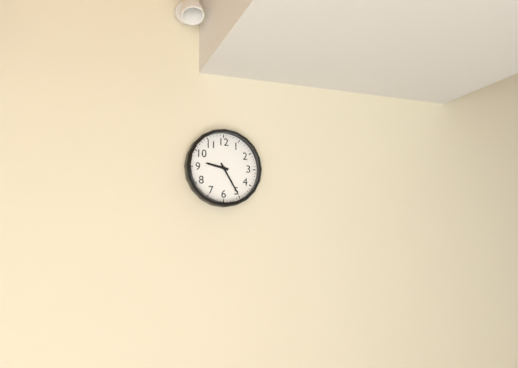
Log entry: 9:25
